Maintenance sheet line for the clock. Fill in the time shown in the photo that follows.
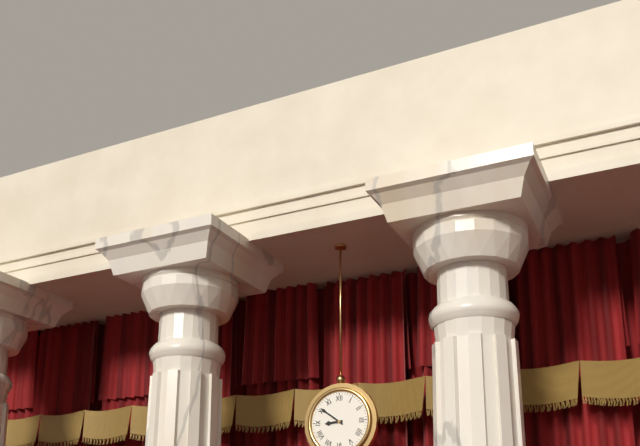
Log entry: 8:51
